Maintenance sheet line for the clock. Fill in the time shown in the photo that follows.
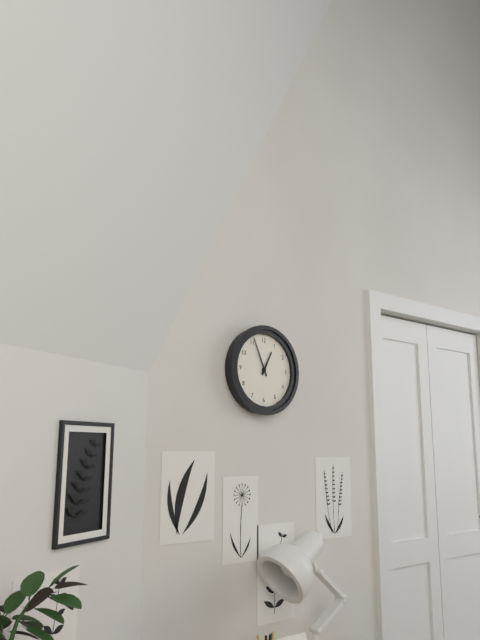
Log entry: 12:56
